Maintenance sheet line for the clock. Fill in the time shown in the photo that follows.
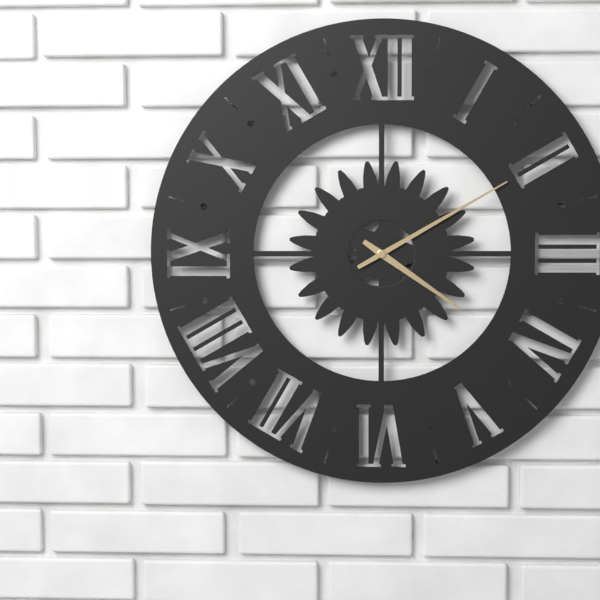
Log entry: 4:10
